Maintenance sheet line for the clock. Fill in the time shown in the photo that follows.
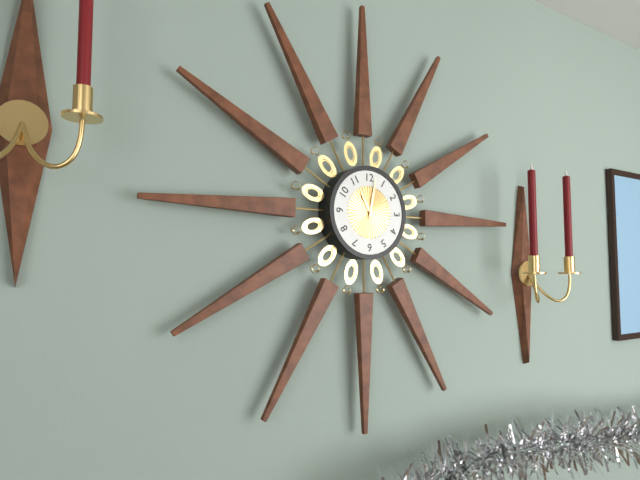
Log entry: 11:02
